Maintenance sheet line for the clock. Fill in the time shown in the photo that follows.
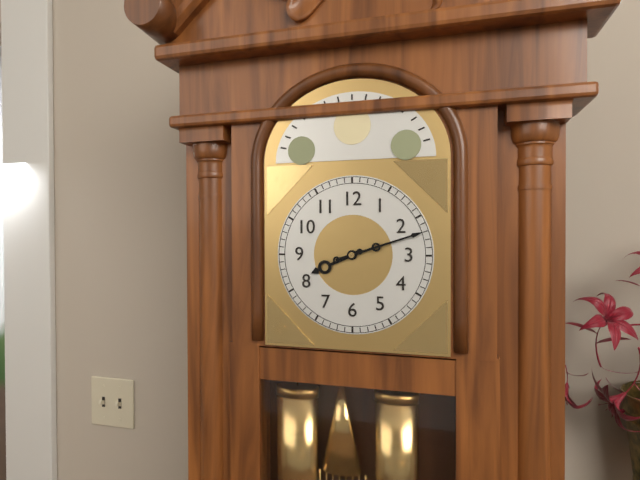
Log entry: 8:12
